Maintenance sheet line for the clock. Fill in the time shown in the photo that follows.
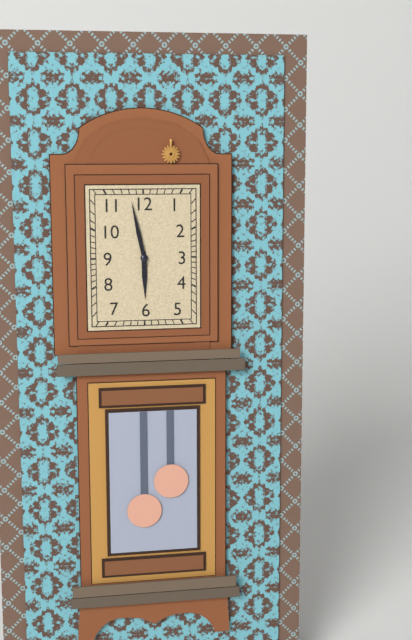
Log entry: 5:58
